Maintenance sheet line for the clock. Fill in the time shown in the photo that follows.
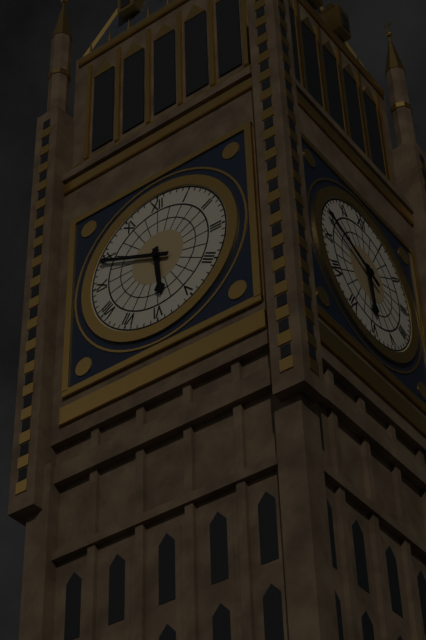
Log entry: 5:49
